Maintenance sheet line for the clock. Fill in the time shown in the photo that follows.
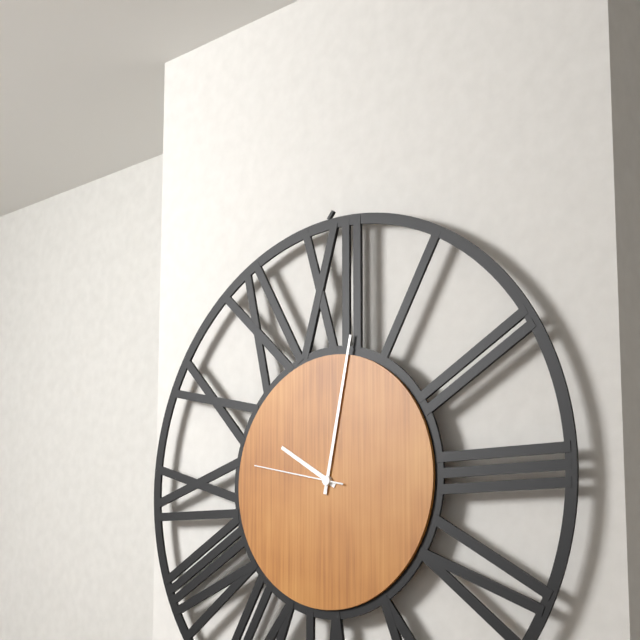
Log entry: 10:02:47
